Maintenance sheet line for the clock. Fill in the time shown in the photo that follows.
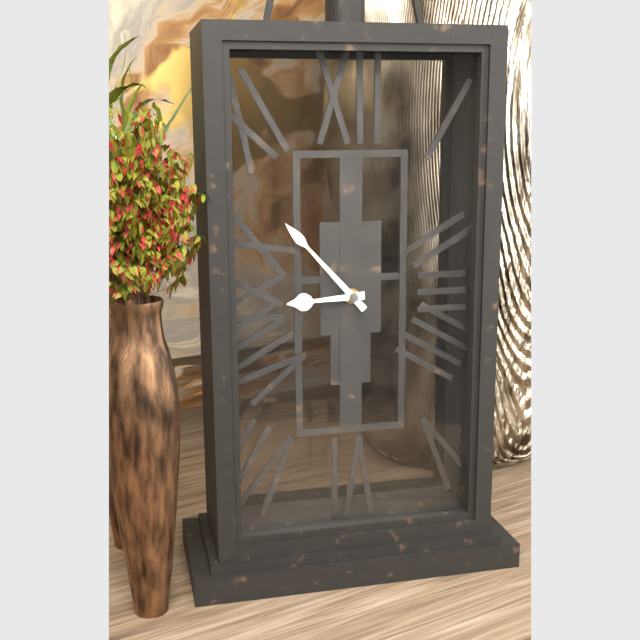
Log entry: 8:53
